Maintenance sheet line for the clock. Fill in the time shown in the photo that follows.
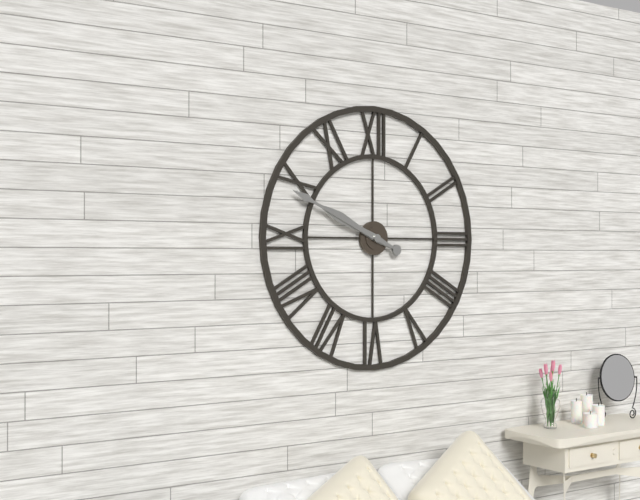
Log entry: 9:49
